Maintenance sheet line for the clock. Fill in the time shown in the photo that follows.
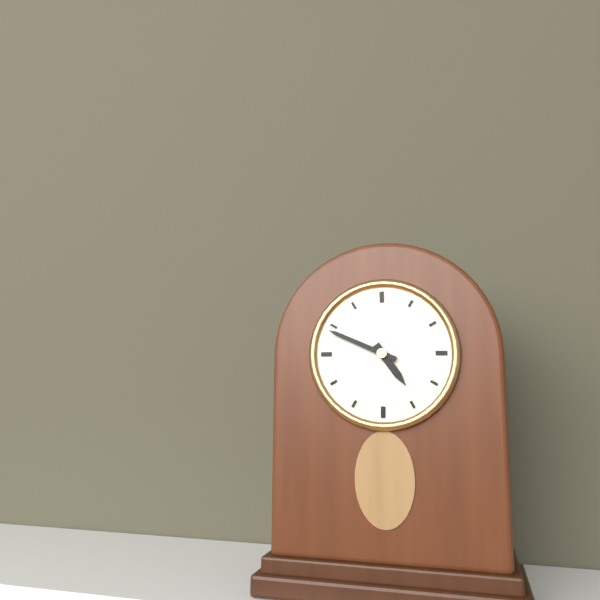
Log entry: 4:49
